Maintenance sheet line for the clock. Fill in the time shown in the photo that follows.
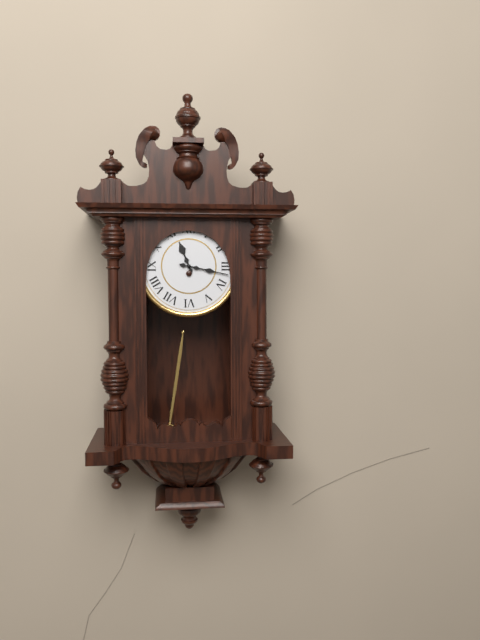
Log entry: 11:17
